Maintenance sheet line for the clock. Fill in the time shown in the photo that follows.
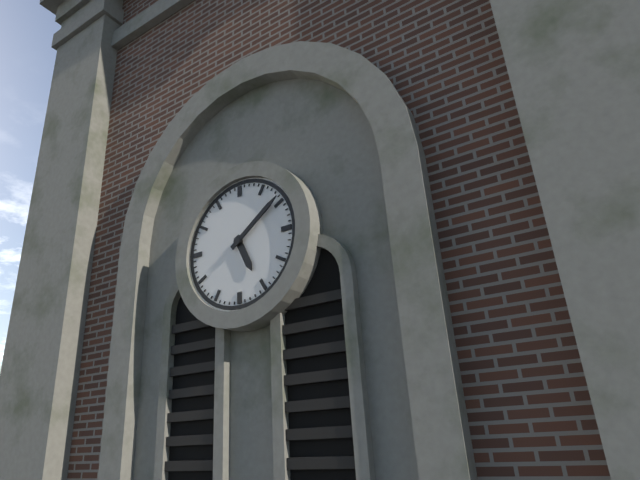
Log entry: 5:09
